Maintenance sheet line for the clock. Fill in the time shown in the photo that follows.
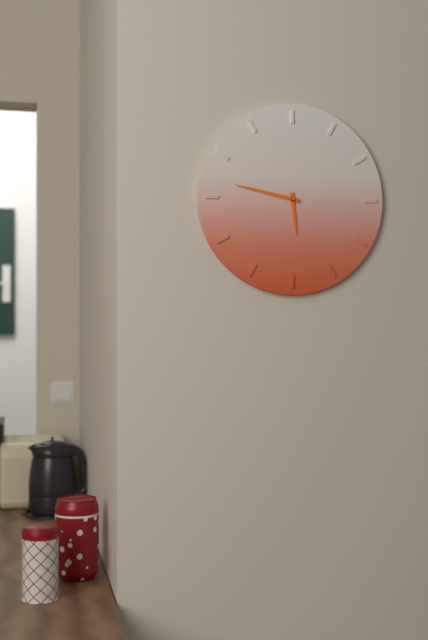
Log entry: 5:47
